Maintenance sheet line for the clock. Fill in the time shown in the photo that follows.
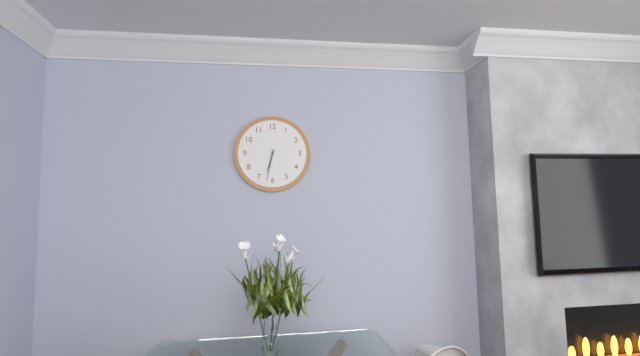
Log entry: 6:32
